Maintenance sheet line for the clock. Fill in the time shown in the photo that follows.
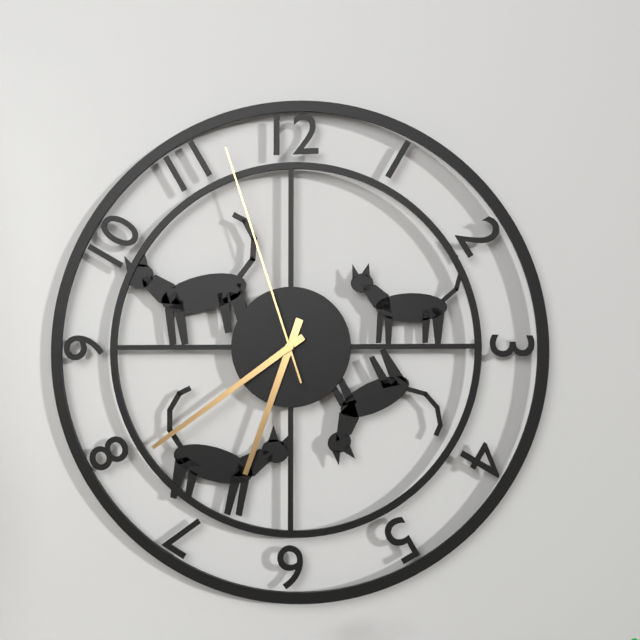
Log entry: 6:39:57
